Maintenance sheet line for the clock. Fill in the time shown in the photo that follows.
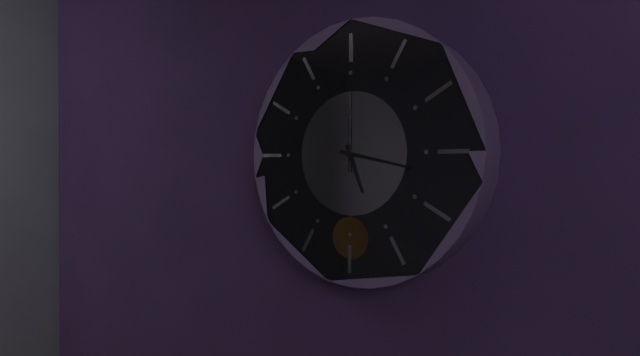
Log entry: 5:17:00
